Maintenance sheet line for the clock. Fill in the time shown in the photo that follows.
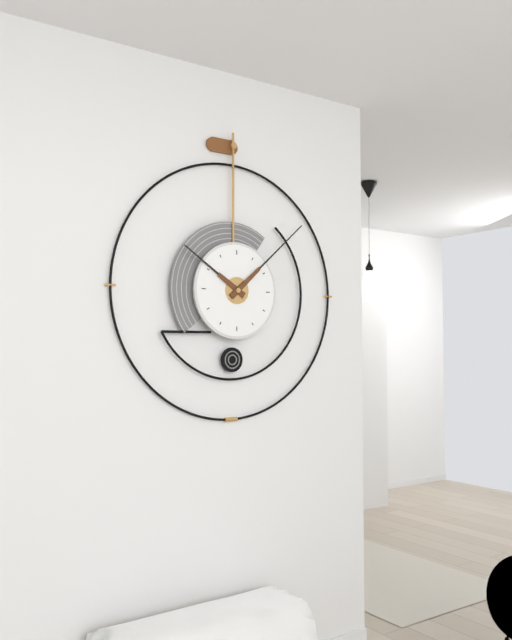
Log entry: 10:08
